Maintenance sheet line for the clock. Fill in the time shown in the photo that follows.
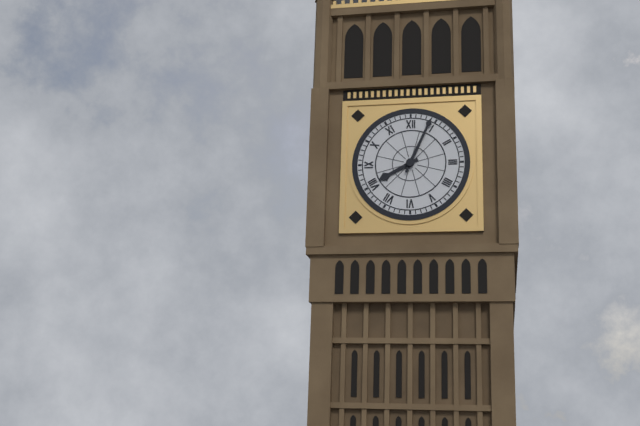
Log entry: 8:04
